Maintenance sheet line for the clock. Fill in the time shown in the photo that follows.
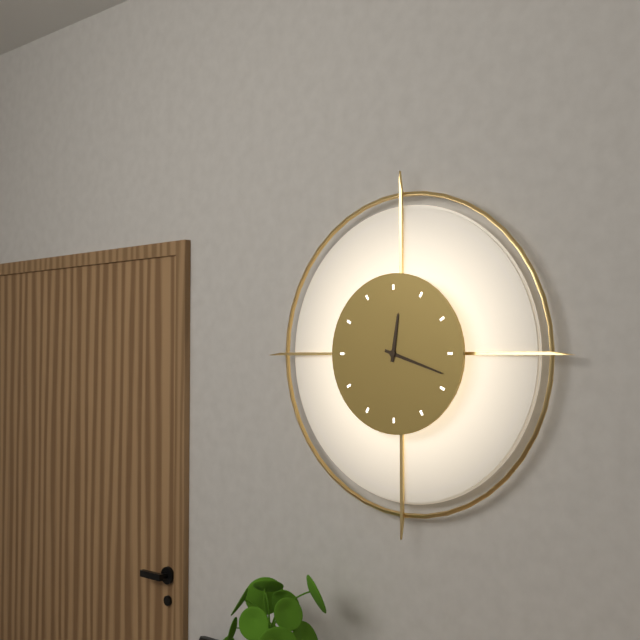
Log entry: 12:18
